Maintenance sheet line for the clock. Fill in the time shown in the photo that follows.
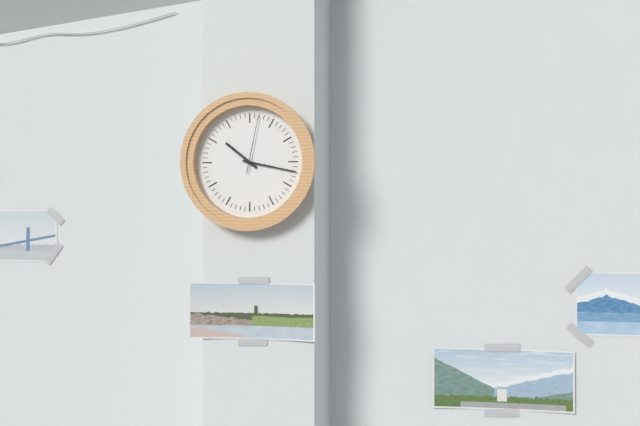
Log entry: 10:17:02
